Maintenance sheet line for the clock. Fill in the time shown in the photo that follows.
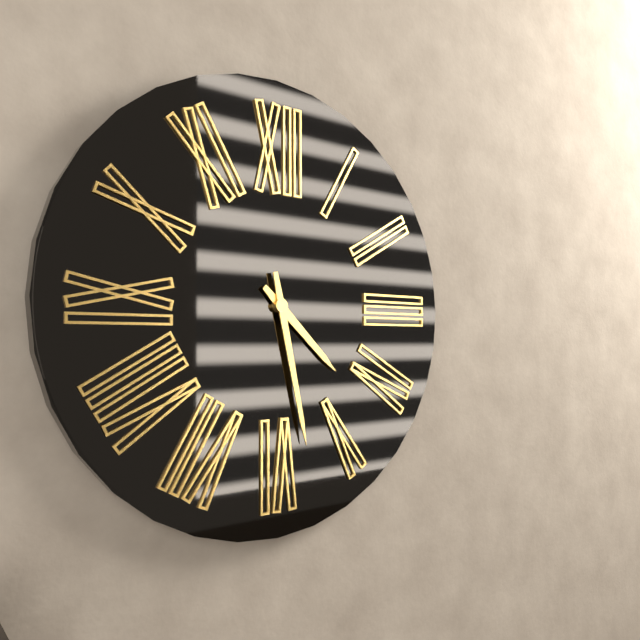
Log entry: 4:28
